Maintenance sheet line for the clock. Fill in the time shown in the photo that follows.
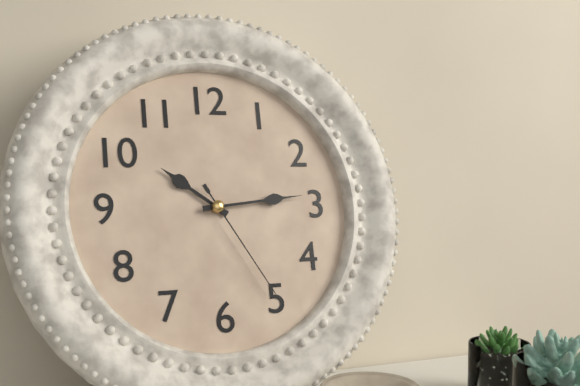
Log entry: 10:14:25
